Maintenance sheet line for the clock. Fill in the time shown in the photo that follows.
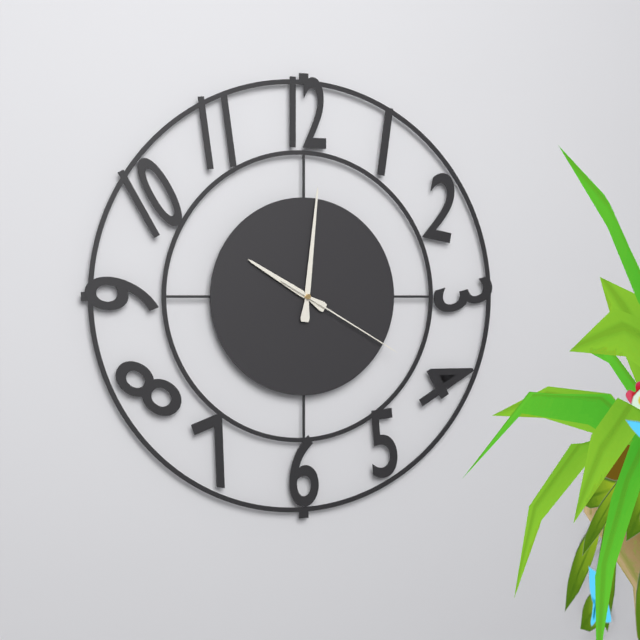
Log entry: 10:01:20
